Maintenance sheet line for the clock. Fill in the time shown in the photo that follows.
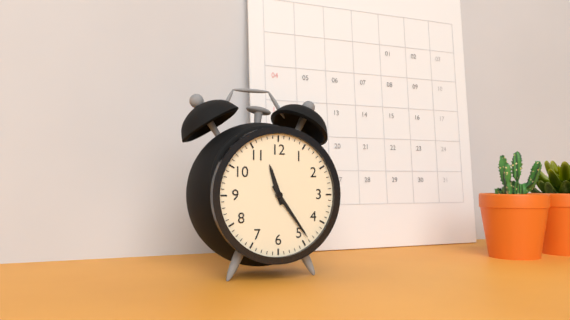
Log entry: 11:24
